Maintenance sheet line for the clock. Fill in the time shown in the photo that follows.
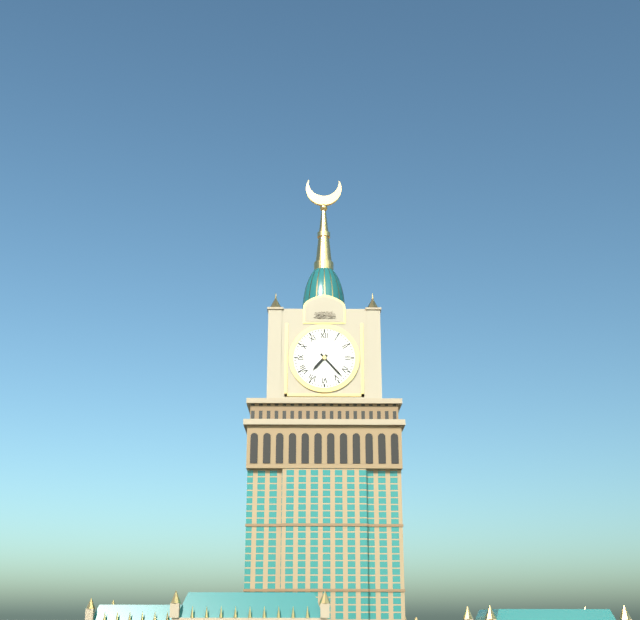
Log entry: 7:23
